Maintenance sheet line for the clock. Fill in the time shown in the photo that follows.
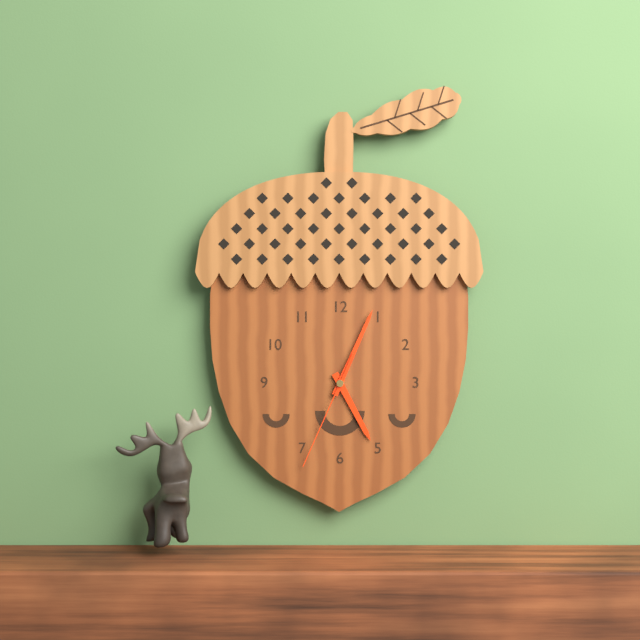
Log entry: 5:04:34
